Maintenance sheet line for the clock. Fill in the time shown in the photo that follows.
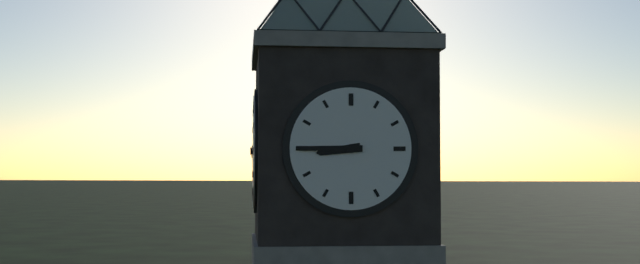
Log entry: 8:45
